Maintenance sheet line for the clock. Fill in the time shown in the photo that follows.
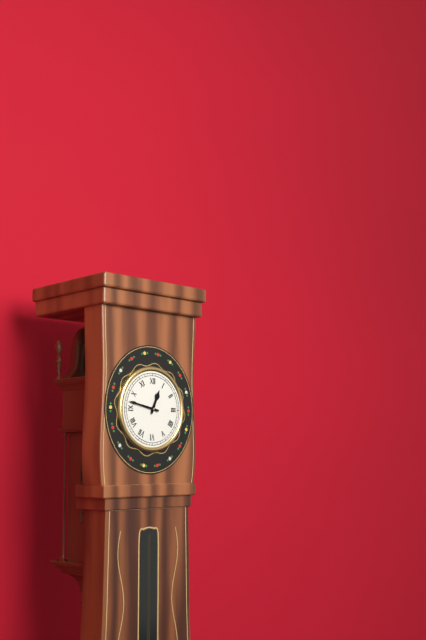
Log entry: 12:47
